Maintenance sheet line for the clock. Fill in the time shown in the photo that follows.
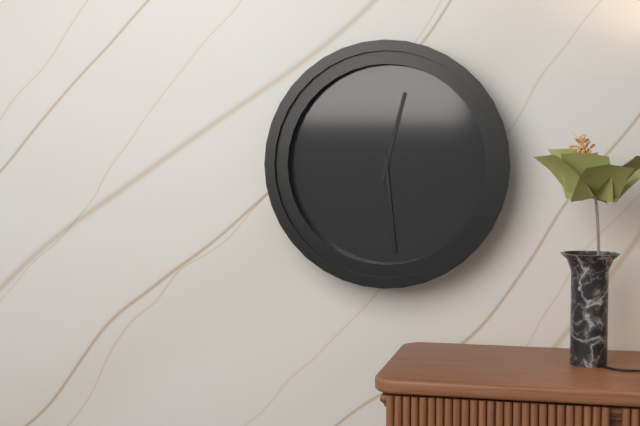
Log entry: 12:29
